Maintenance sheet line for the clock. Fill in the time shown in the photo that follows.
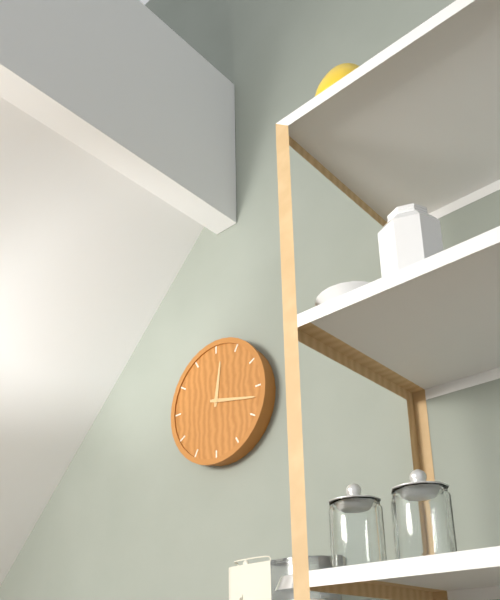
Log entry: 12:17
